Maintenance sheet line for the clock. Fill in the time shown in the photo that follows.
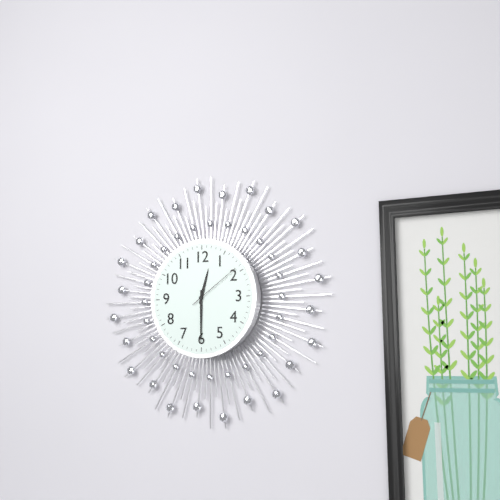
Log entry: 12:30:09
